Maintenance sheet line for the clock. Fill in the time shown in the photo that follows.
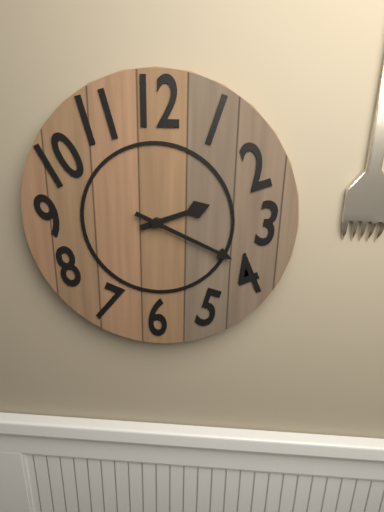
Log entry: 2:19
